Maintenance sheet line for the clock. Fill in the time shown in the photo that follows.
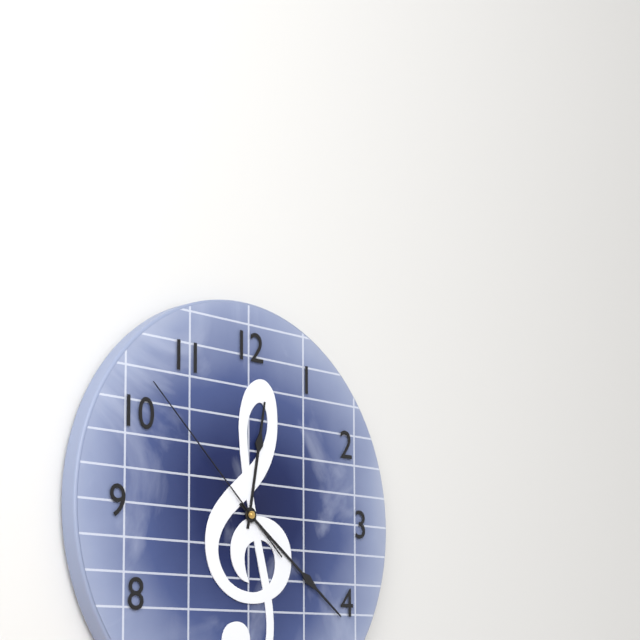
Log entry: 12:21:52
